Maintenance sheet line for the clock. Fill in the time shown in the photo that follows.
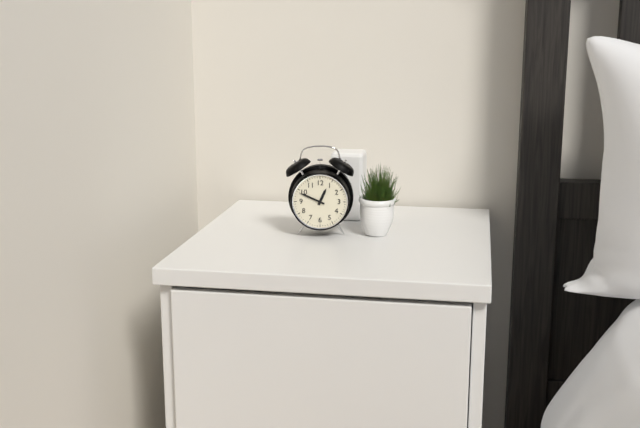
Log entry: 12:49
